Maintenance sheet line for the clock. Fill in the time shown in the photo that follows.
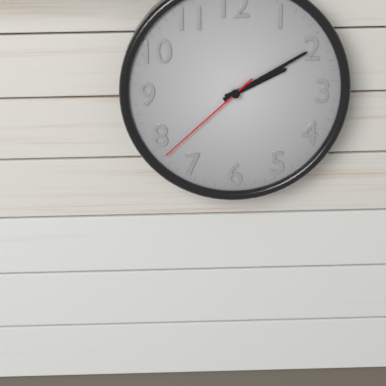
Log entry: 2:10:38
